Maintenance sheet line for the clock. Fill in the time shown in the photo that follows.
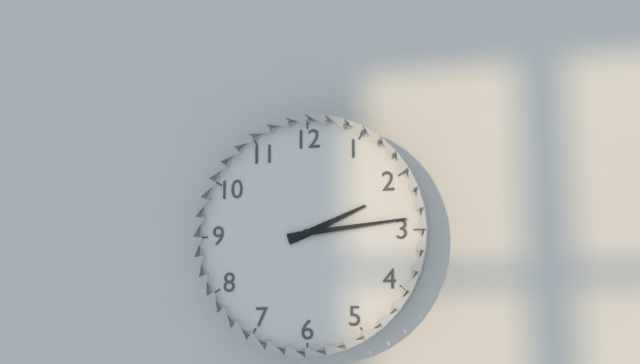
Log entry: 2:14
